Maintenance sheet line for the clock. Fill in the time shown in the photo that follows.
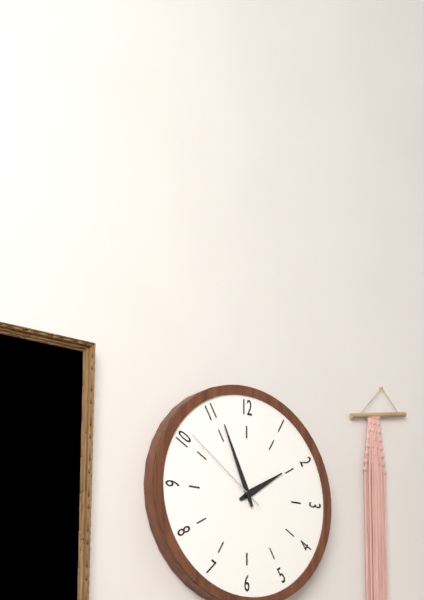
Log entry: 1:56:51
